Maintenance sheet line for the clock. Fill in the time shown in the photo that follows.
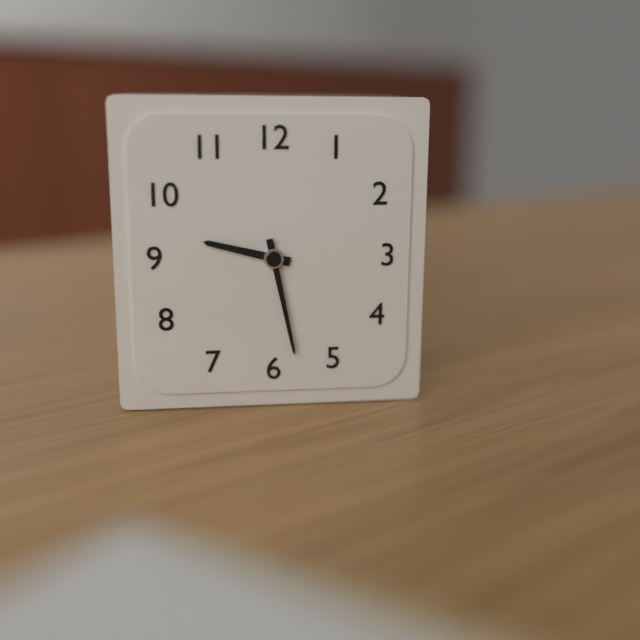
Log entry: 9:28
